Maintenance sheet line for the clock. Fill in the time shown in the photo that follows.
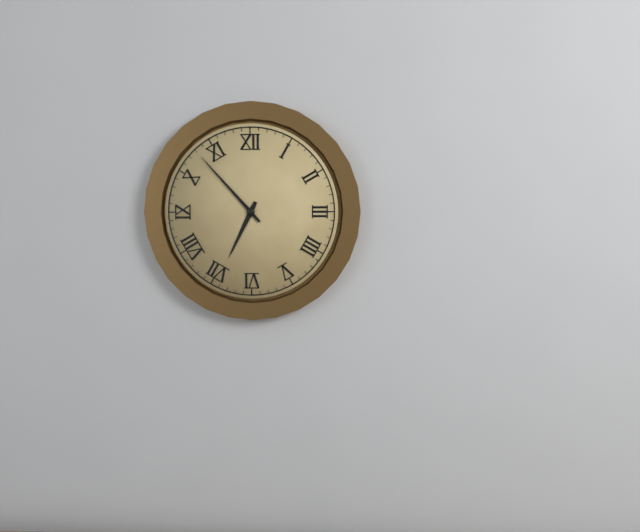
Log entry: 6:53
